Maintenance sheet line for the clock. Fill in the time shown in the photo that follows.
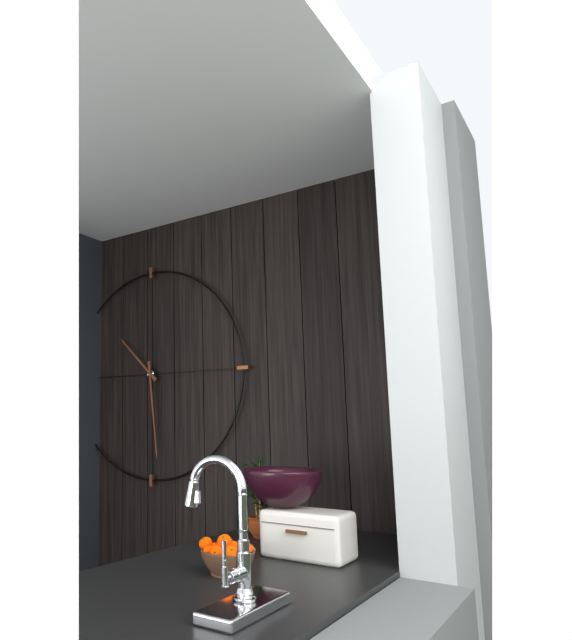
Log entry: 10:29
